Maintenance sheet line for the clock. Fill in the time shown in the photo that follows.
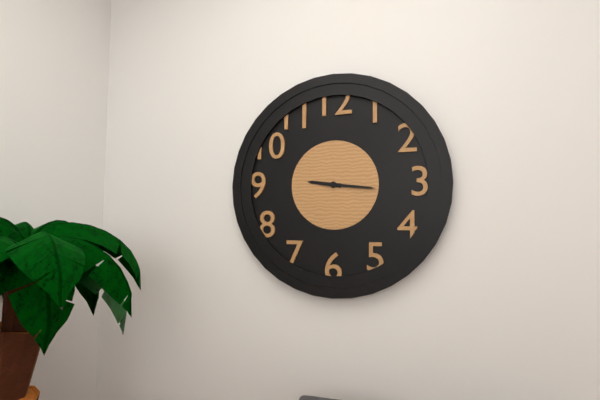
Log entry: 9:16
